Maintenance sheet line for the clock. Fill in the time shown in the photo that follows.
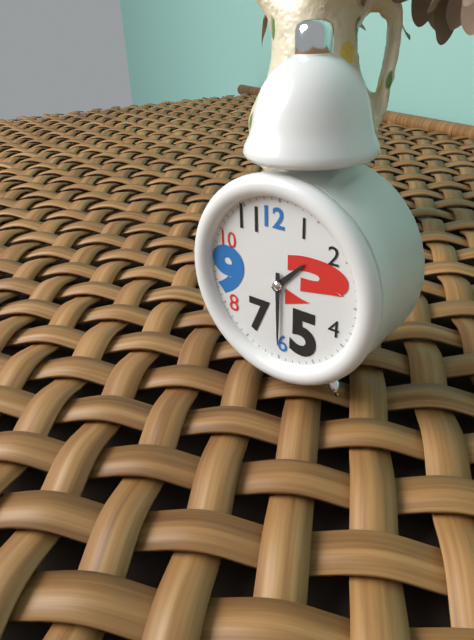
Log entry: 1:30
